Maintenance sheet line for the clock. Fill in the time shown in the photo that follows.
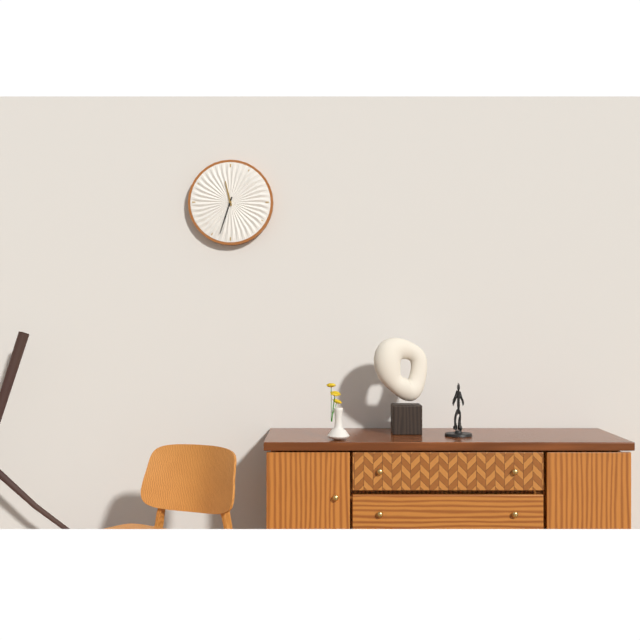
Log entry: 11:33
